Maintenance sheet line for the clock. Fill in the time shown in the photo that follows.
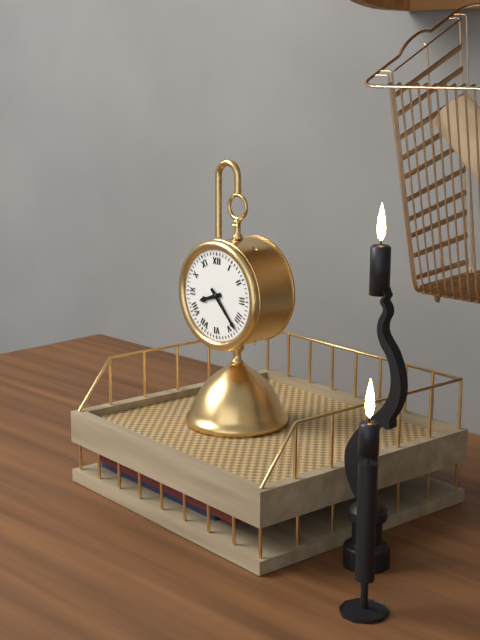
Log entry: 8:23
